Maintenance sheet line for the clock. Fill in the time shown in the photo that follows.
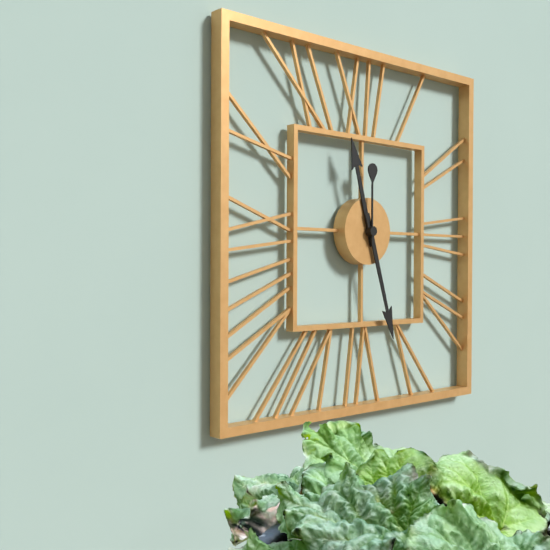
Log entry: 11:27:00
